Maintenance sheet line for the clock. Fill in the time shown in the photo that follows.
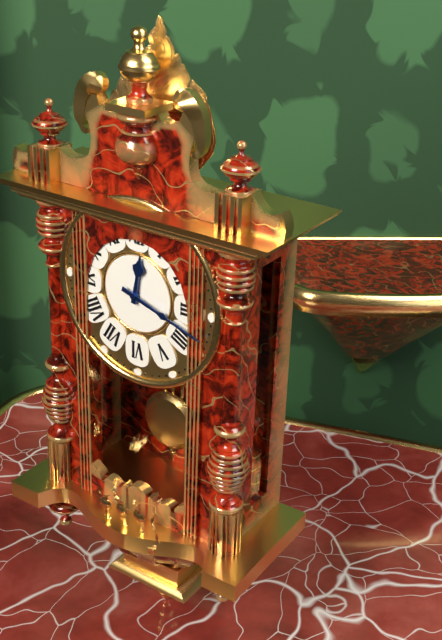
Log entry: 12:18
